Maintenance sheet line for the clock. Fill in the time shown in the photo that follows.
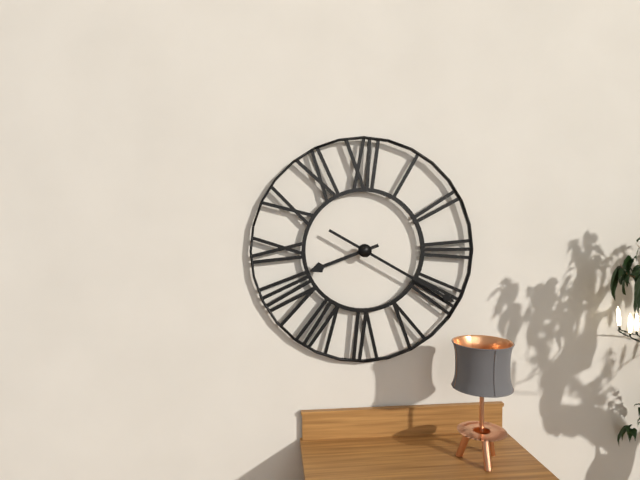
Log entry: 8:20
